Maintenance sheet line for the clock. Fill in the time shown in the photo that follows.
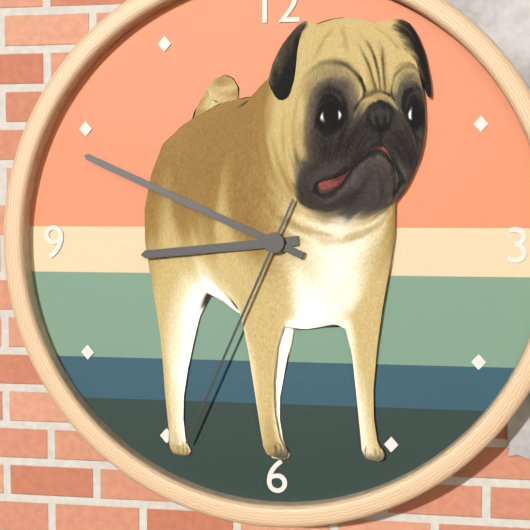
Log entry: 8:49:34
